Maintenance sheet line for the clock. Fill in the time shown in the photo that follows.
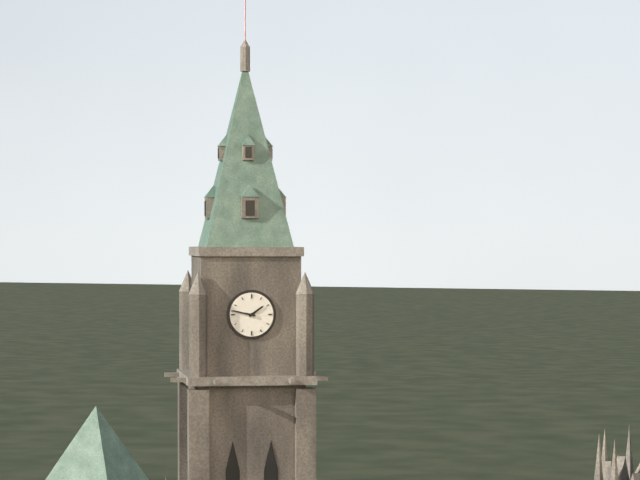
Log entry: 1:47
